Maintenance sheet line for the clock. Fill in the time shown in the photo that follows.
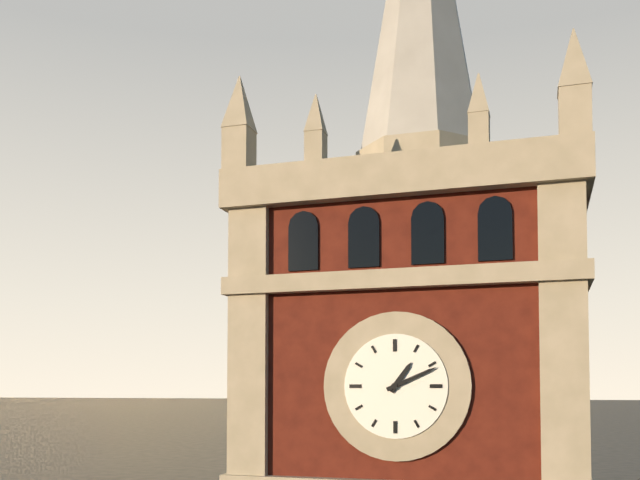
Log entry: 1:11
